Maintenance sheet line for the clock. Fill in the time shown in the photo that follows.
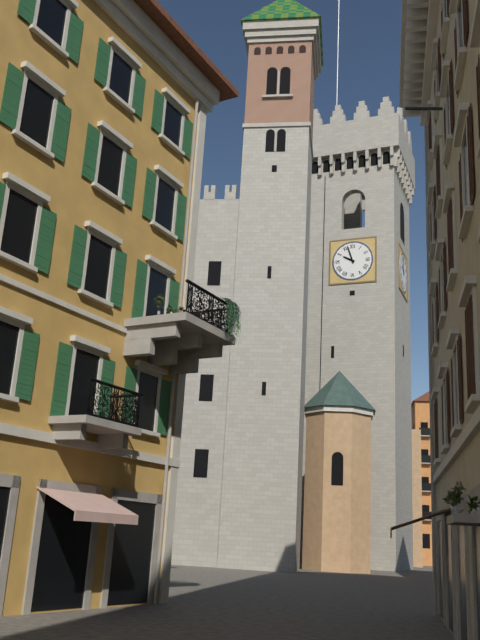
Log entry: 9:57
